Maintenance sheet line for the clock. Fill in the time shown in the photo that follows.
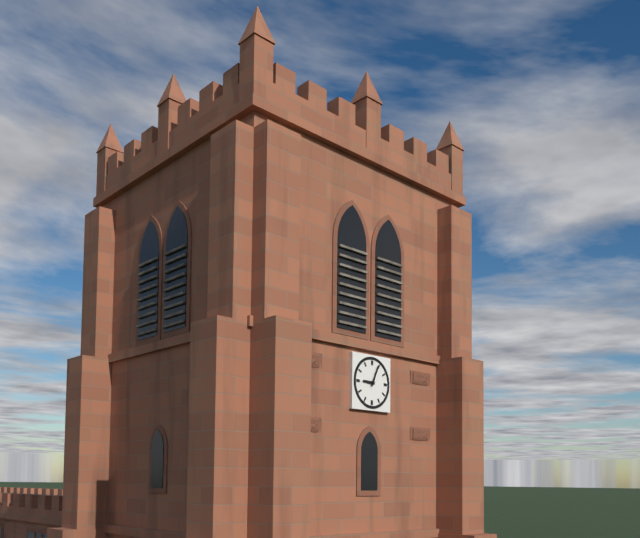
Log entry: 9:04
